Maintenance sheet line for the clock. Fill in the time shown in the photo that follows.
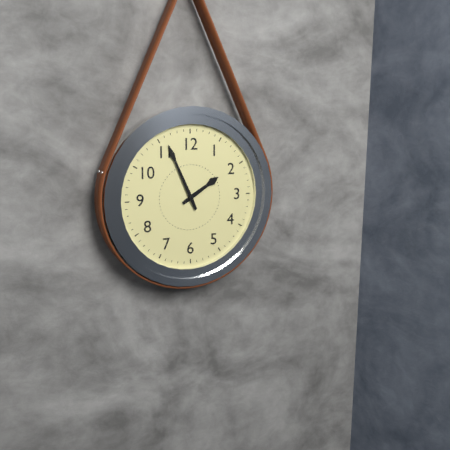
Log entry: 1:56
